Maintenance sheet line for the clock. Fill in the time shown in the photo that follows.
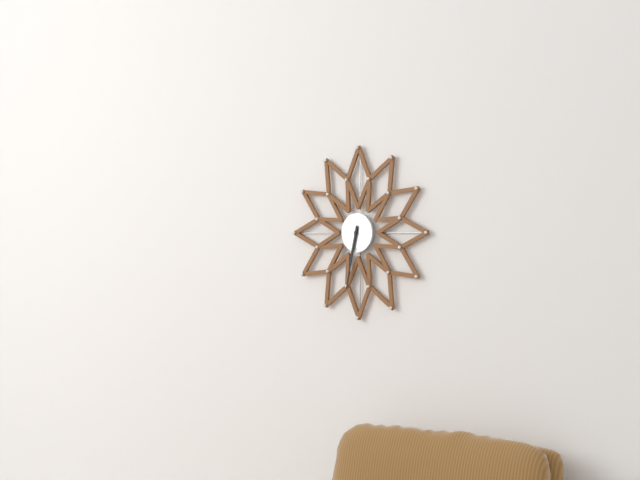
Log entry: 6:32
